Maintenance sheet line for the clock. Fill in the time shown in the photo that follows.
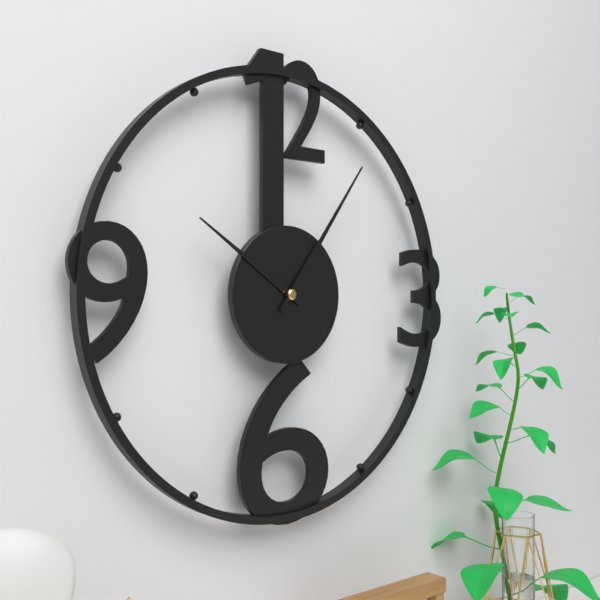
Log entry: 10:06
